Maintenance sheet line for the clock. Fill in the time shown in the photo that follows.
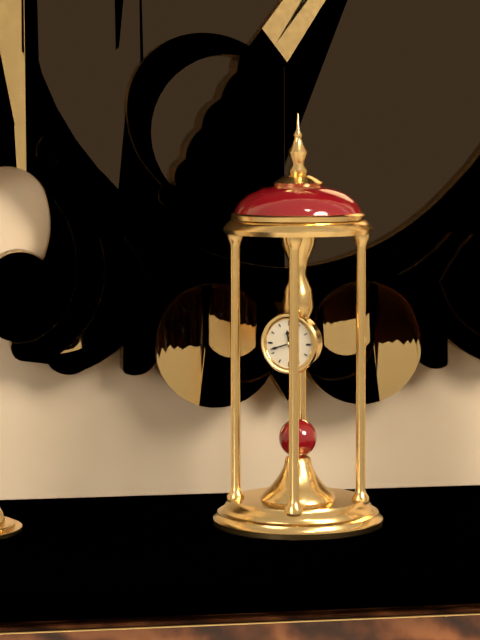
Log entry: 11:42
